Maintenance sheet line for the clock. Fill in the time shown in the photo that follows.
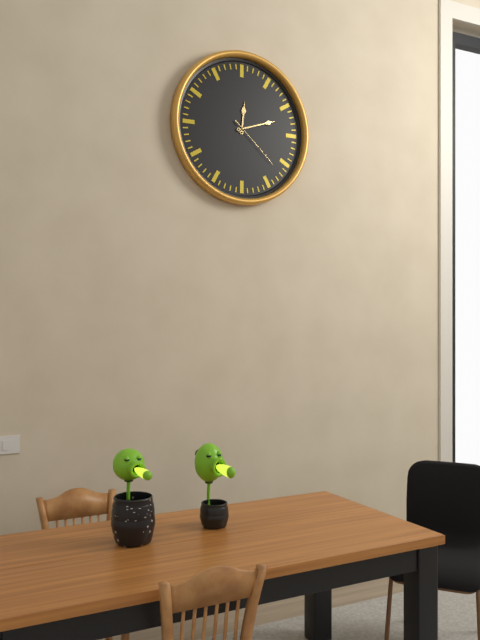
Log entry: 12:12:22
